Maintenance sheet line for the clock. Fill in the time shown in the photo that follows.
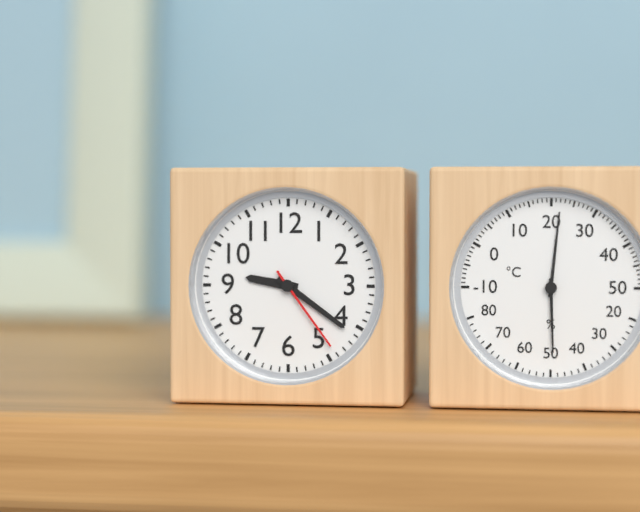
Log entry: 9:21:24
